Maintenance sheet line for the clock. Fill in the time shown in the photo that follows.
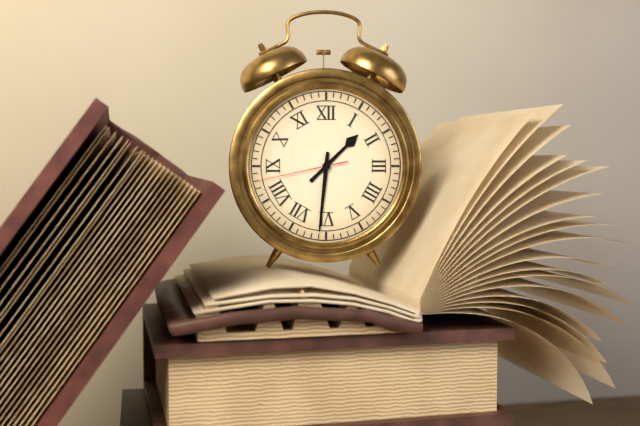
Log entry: 1:31:43
